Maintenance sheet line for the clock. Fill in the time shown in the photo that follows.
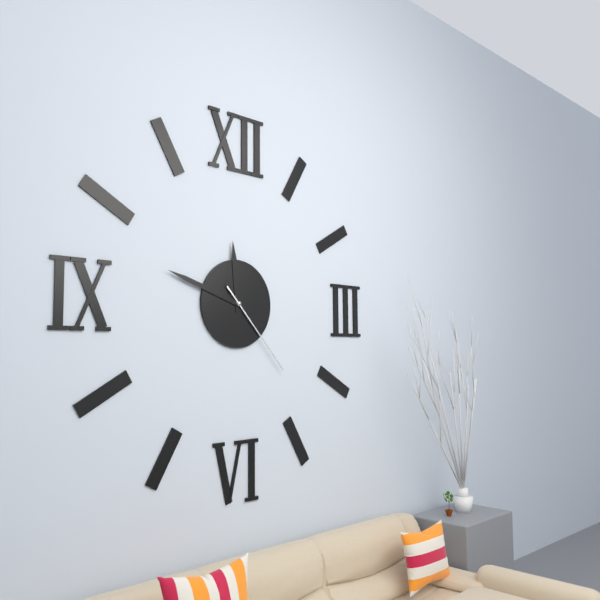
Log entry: 11:48:23
